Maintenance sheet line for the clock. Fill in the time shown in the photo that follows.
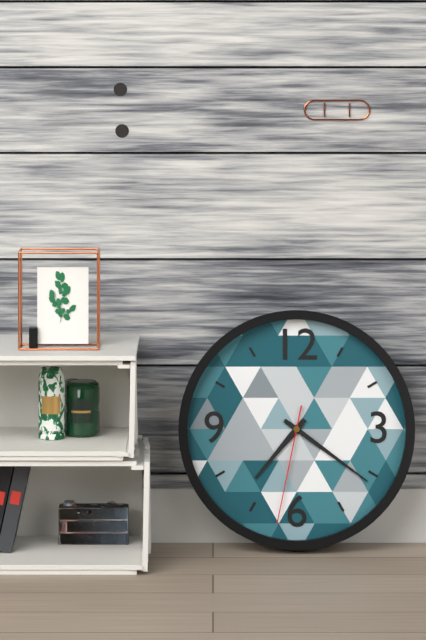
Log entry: 7:21:32
